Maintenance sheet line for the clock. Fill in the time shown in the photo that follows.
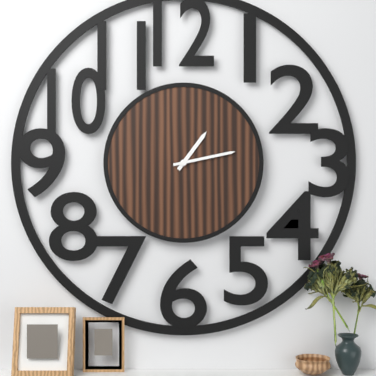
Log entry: 1:13
